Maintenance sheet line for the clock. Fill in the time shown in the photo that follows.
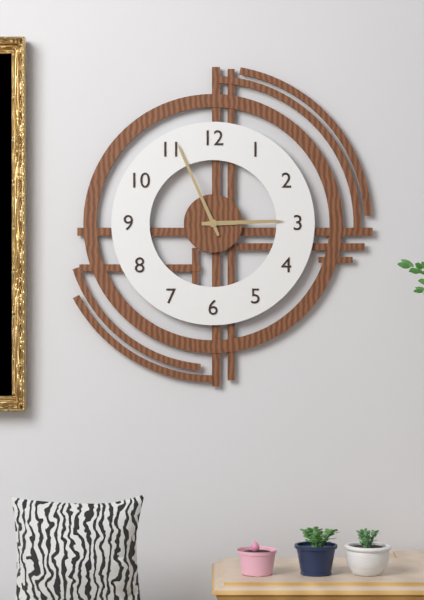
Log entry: 2:56
